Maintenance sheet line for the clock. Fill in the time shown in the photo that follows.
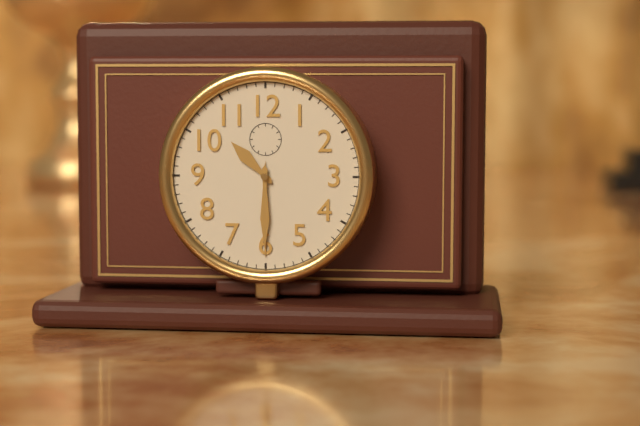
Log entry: 10:30
